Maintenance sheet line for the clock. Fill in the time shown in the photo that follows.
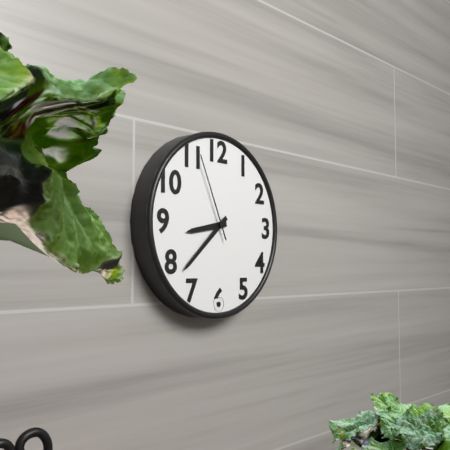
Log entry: 8:38:56
